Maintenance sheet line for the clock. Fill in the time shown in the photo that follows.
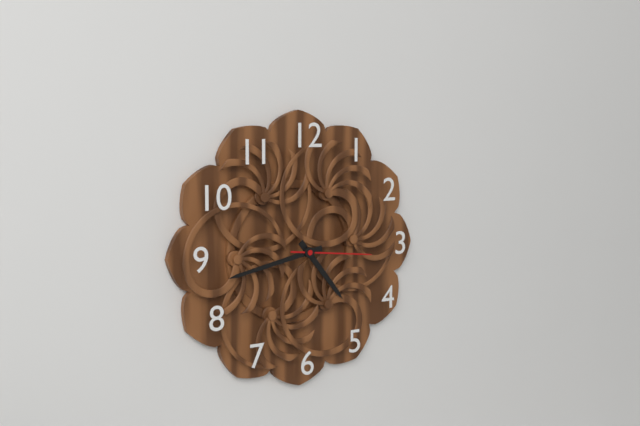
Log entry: 4:43:16
